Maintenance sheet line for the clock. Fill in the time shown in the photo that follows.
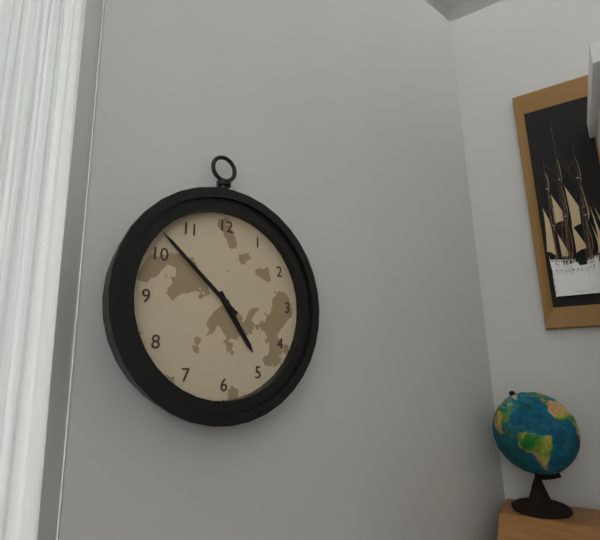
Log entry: 4:52
